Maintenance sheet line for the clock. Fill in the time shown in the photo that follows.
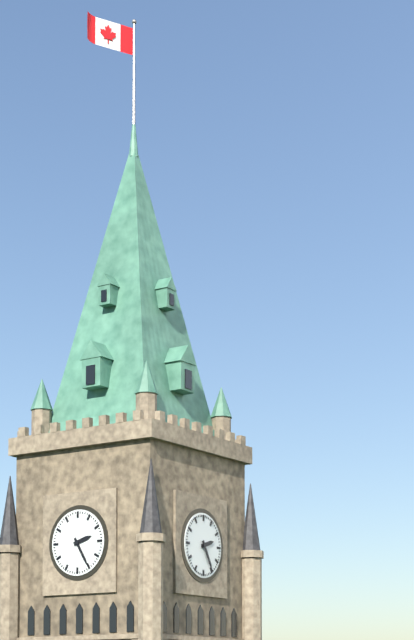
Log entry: 2:25
